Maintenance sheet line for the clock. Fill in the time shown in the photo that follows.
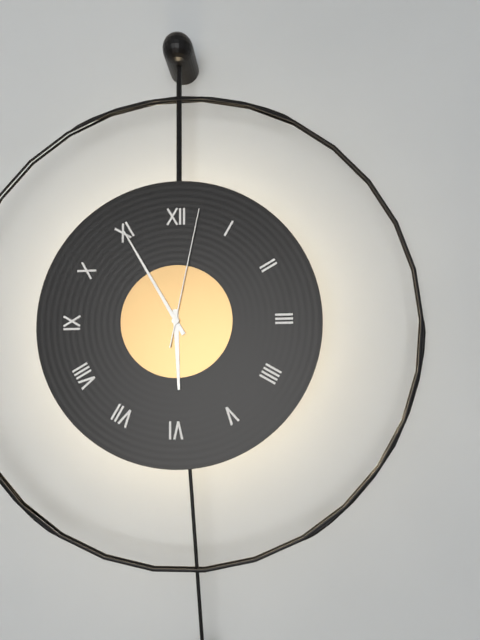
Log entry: 5:55:02
